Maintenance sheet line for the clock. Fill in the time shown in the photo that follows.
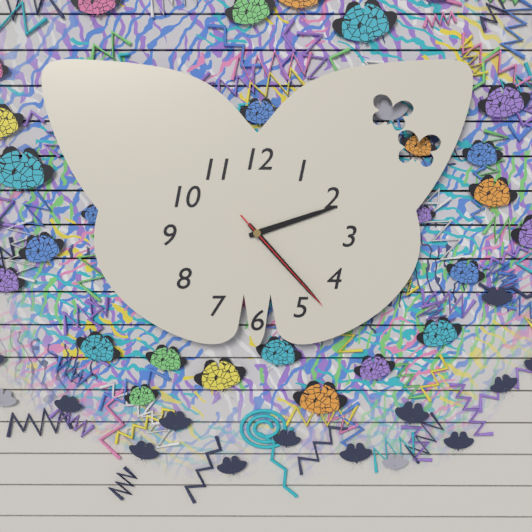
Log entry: 2:23:23
